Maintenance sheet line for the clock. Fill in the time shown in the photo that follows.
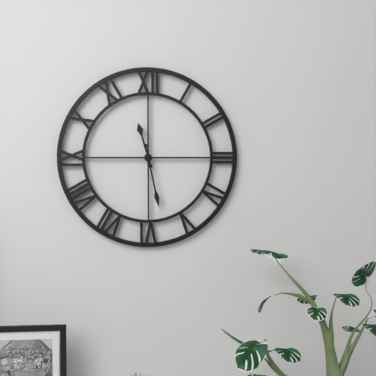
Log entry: 11:28
